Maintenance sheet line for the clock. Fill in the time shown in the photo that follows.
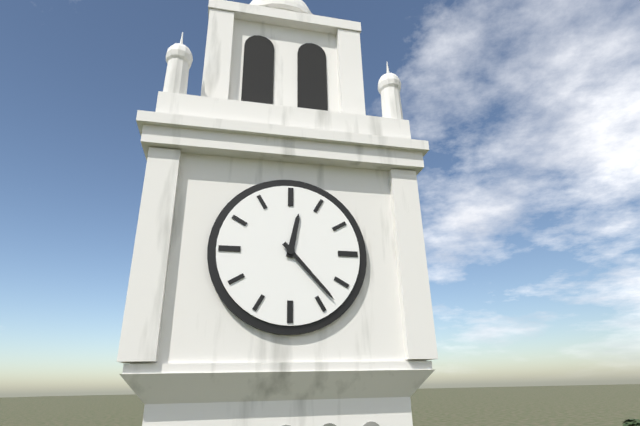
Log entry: 12:23
